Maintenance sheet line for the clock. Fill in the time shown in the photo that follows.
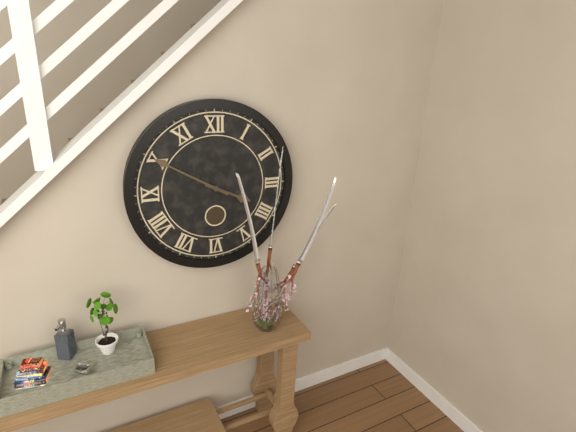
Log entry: 3:50
